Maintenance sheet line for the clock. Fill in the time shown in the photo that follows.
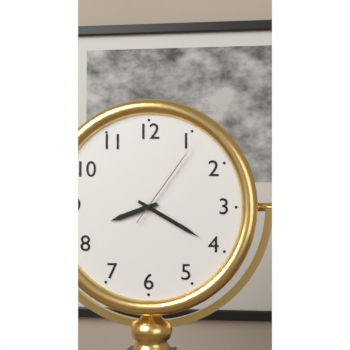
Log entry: 8:20:06
